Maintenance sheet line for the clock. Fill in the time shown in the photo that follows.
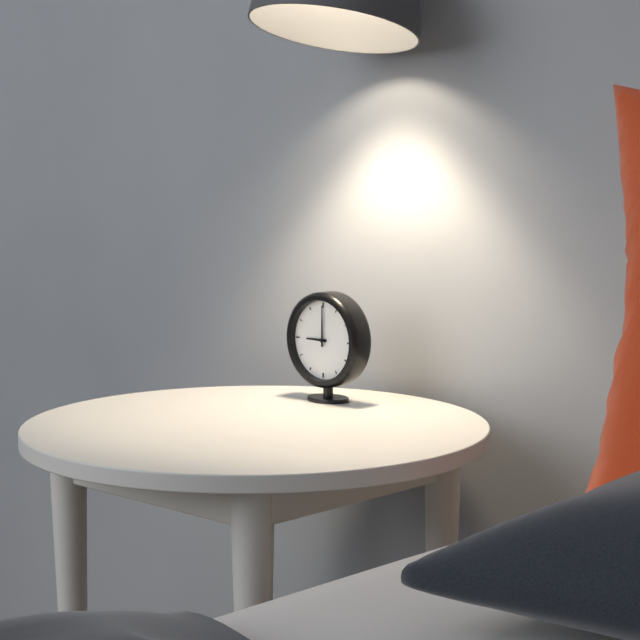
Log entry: 9:00
